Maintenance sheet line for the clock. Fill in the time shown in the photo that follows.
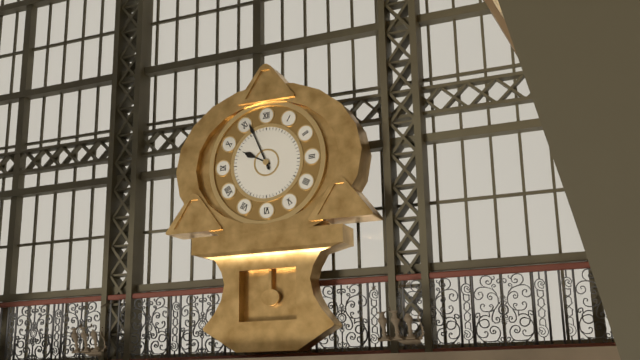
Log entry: 9:56
